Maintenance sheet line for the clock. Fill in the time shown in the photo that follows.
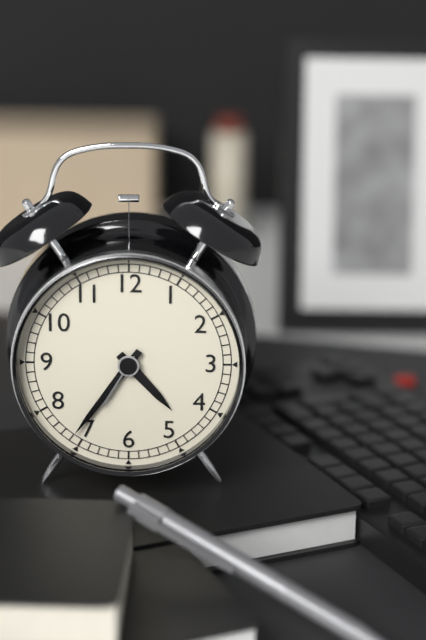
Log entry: 4:36
